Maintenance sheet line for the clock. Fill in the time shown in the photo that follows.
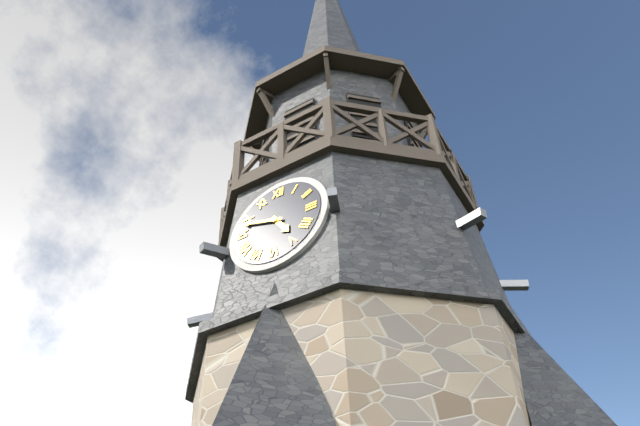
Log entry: 4:48
